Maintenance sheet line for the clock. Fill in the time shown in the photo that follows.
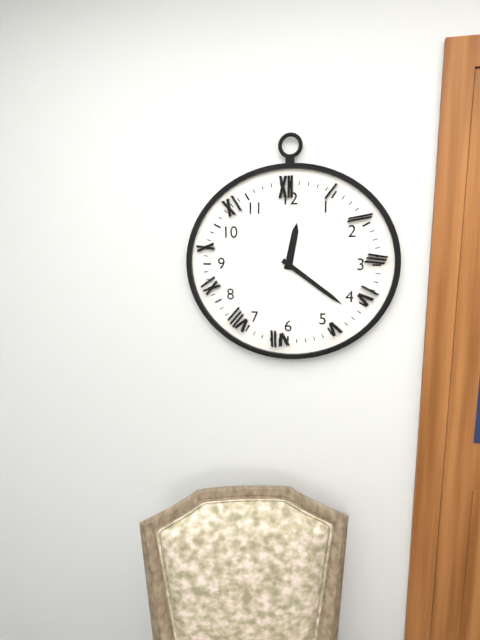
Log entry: 12:21
